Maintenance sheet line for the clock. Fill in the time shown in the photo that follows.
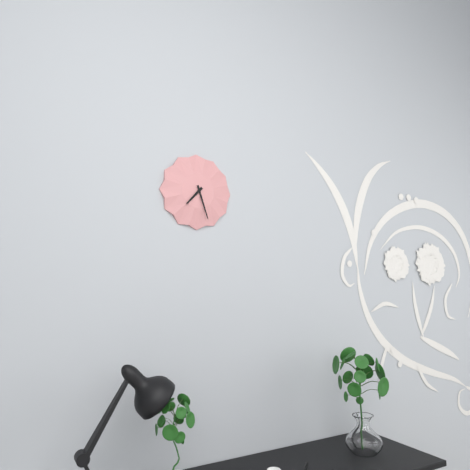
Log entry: 7:27
